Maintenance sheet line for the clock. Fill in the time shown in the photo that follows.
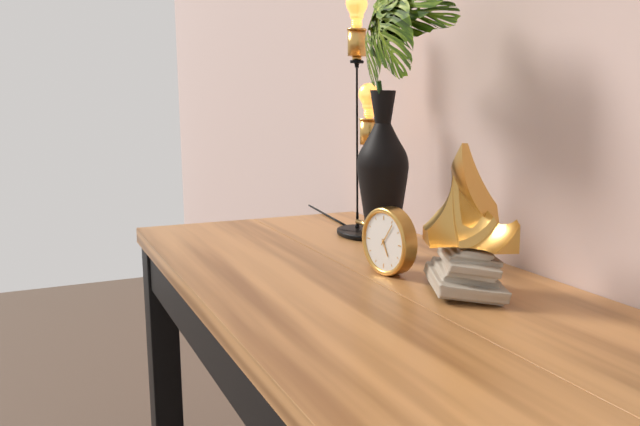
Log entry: 5:06
